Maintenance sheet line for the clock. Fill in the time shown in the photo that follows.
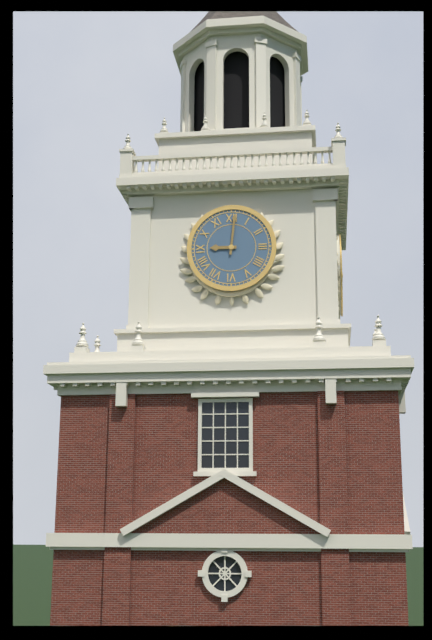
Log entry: 9:01
